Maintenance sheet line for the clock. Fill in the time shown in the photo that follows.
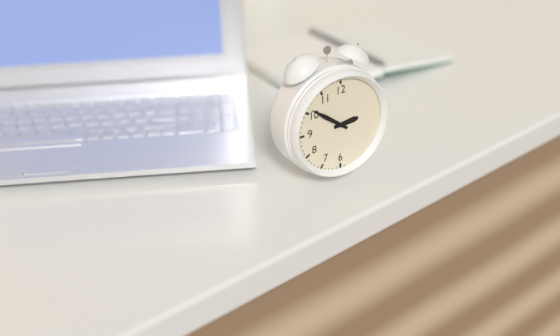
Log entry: 2:51
